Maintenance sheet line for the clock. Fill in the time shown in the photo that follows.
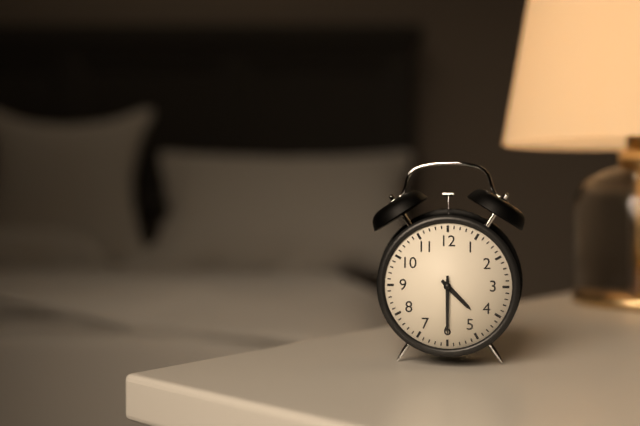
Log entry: 4:30
